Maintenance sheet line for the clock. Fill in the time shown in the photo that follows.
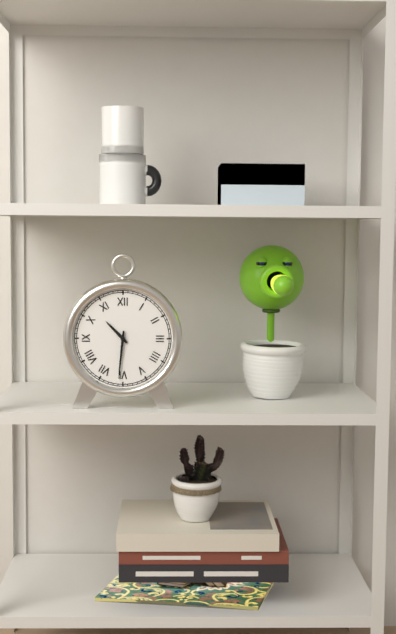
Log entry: 10:31
